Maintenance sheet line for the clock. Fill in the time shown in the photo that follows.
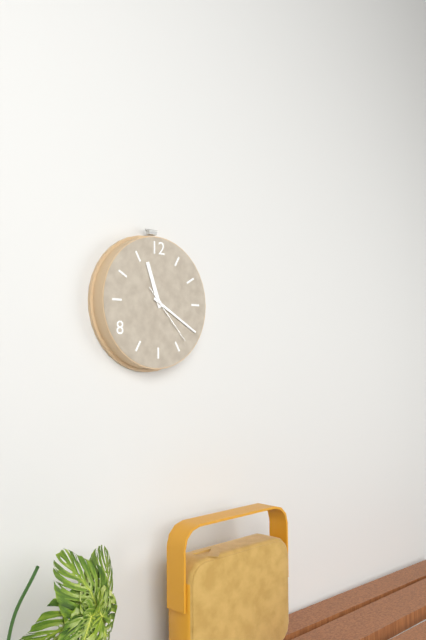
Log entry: 11:20:23
